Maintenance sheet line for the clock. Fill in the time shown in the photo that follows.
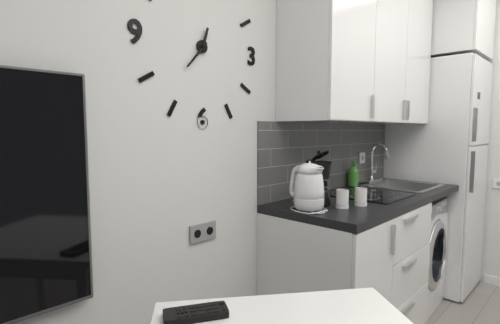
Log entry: 12:37
